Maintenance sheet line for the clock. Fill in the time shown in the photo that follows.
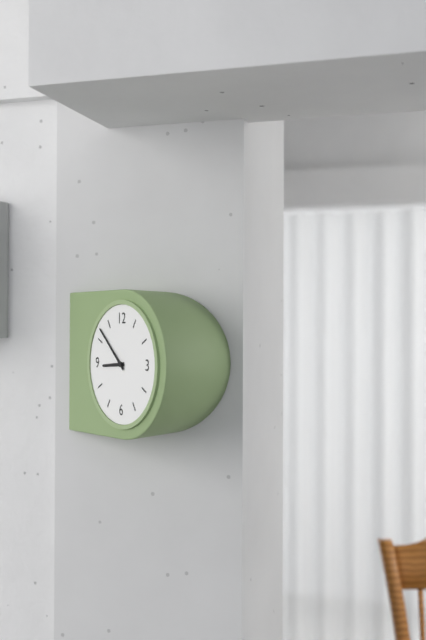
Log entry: 8:52
